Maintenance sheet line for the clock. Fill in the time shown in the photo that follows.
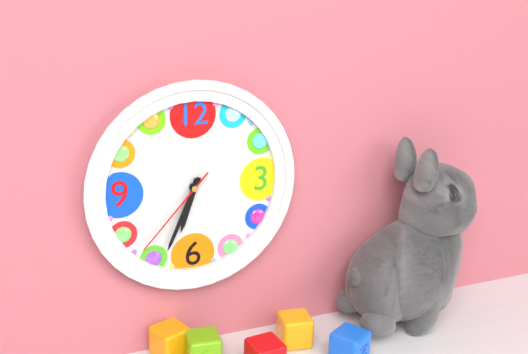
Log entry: 6:34:37
